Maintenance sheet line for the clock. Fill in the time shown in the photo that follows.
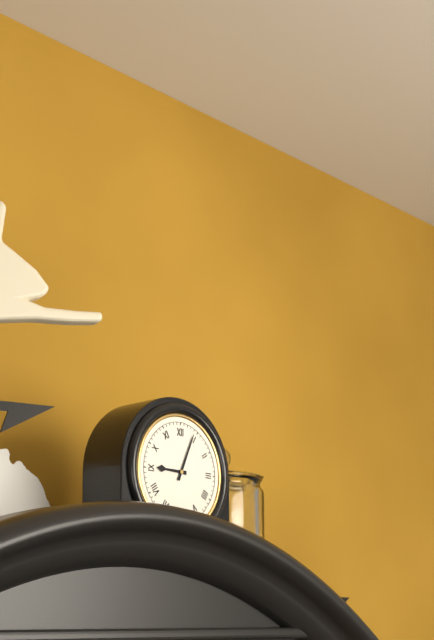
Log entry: 9:04
